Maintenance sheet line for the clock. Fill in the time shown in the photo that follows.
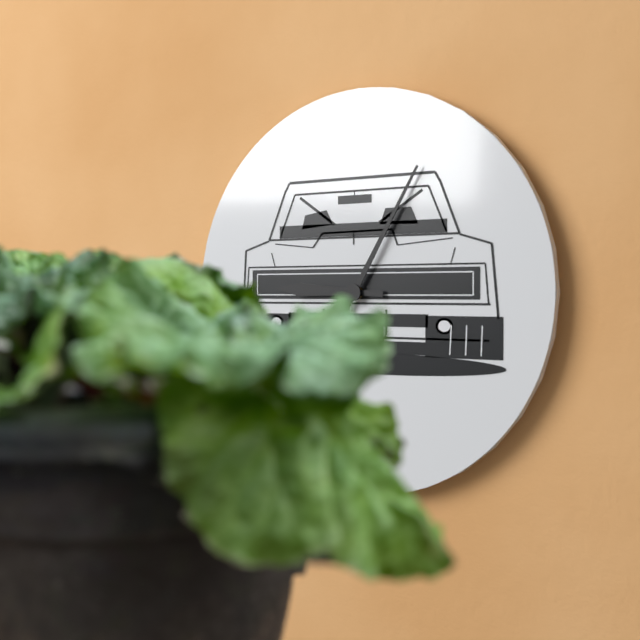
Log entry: 9:05
